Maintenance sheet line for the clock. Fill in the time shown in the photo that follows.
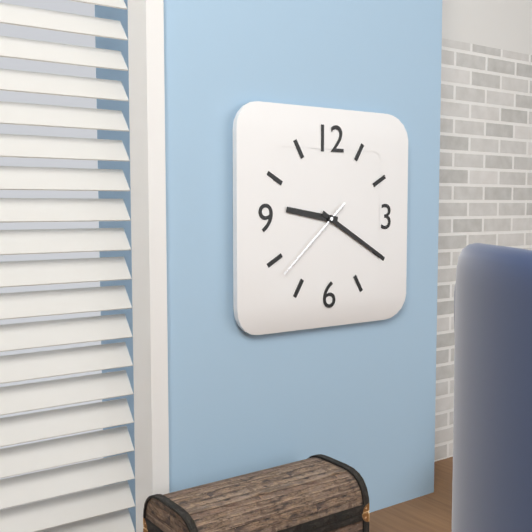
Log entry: 9:20:38
